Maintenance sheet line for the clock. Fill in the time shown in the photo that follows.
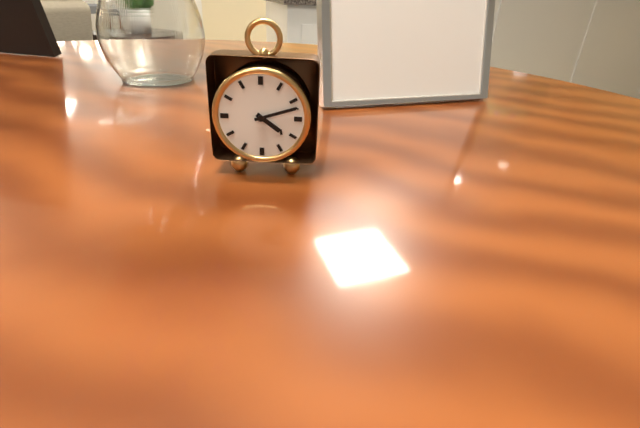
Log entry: 4:12
